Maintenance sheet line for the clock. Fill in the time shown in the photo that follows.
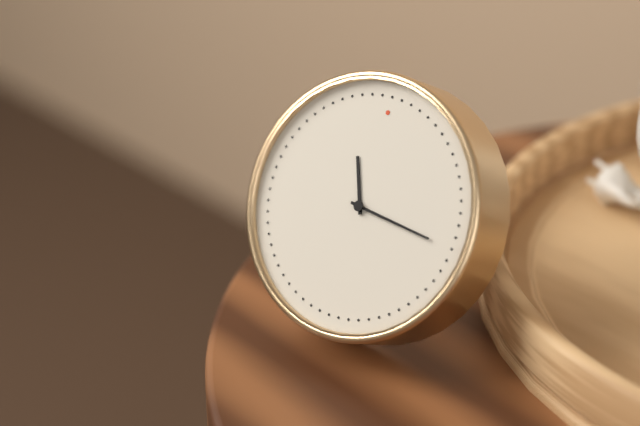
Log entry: 11:16
